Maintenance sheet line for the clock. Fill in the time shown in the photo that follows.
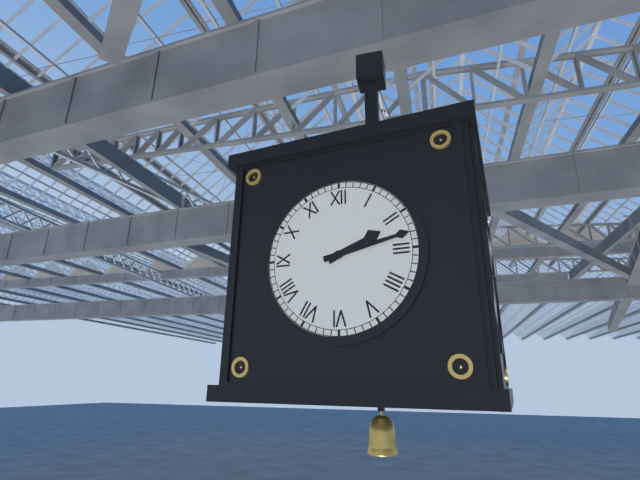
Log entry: 2:13
